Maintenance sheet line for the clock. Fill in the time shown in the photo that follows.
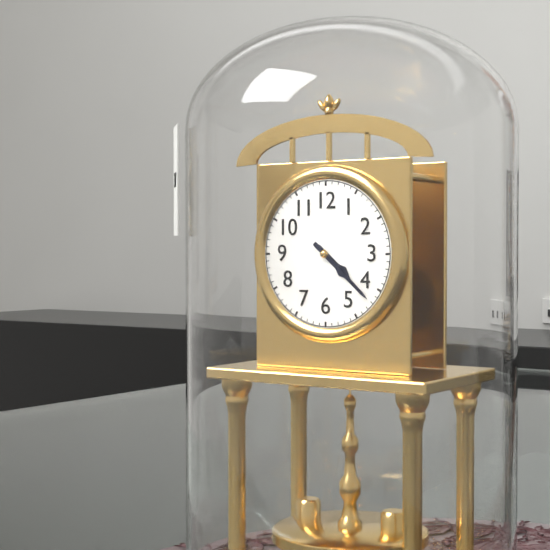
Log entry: 4:22
